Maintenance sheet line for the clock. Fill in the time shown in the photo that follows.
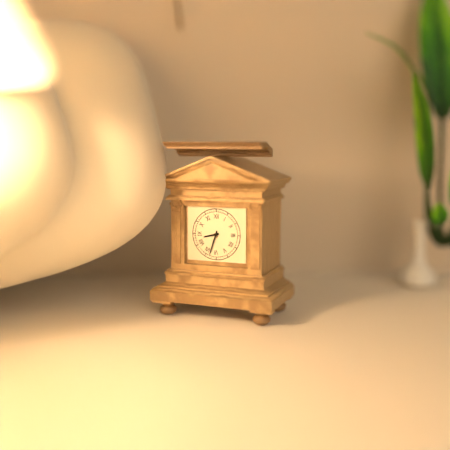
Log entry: 8:33
